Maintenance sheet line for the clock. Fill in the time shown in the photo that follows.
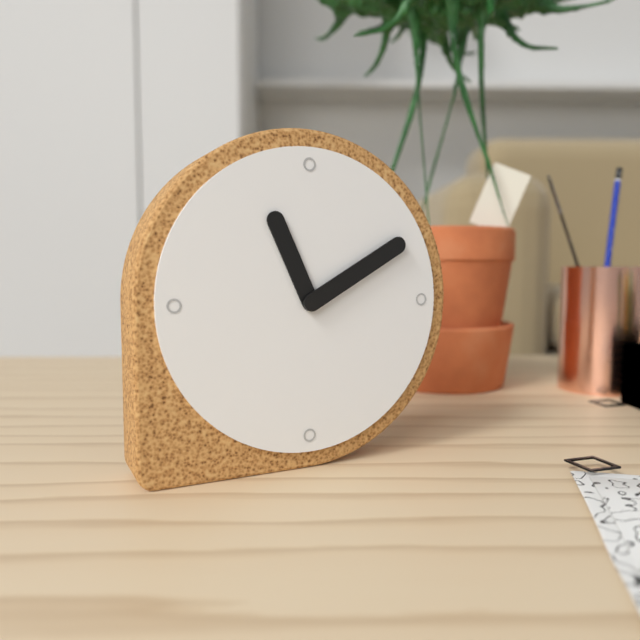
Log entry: 11:10
